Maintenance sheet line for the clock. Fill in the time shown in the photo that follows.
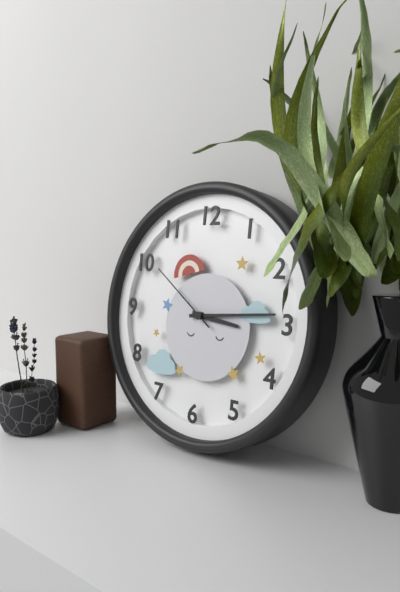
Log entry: 3:14:51
